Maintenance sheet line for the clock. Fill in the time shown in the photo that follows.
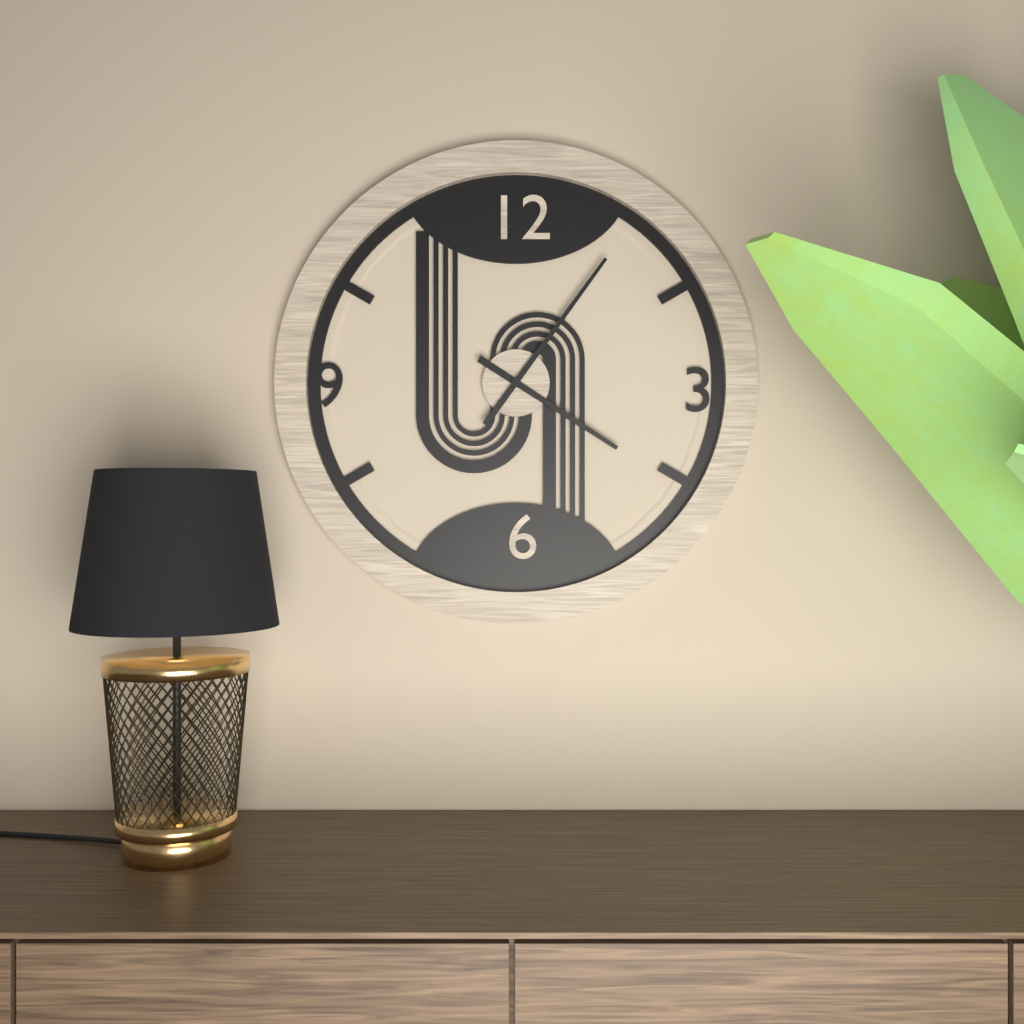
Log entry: 4:06
